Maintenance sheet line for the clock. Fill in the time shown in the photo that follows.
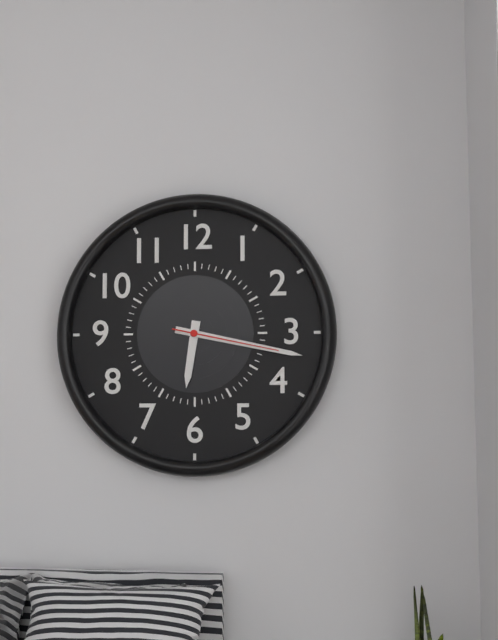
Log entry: 6:17:17
